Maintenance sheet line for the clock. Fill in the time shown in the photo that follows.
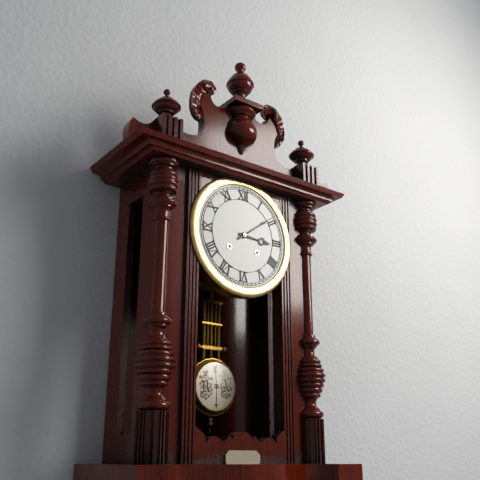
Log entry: 3:09
